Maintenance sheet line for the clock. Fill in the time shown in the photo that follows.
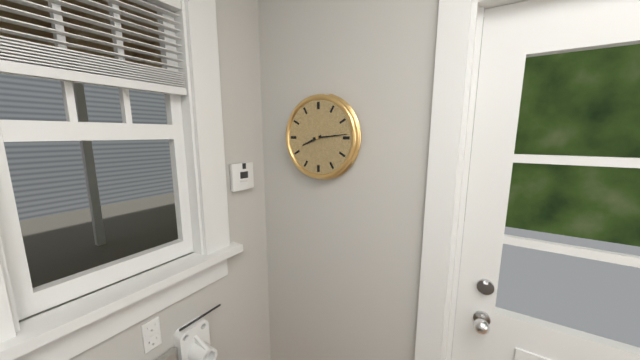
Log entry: 8:14
